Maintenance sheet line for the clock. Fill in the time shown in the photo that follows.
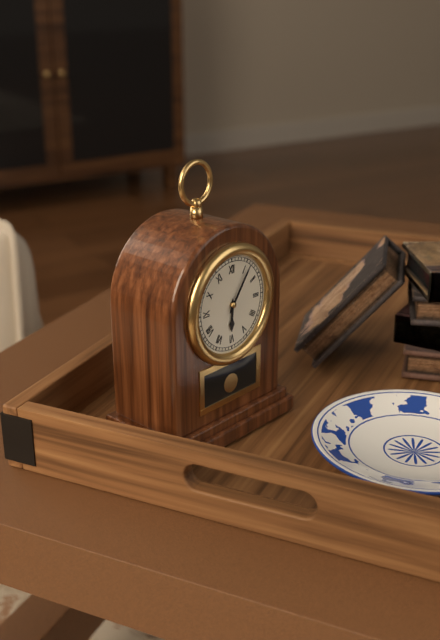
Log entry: 6:06
